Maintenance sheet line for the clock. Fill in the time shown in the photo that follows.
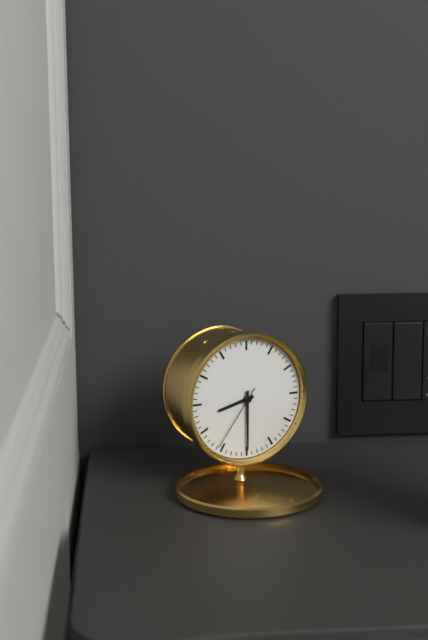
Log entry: 8:30:36
